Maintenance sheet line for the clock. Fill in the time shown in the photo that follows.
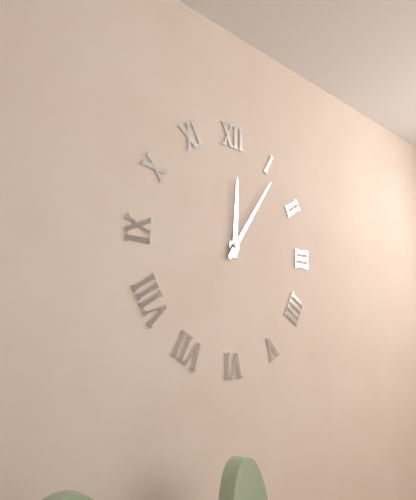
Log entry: 12:06
